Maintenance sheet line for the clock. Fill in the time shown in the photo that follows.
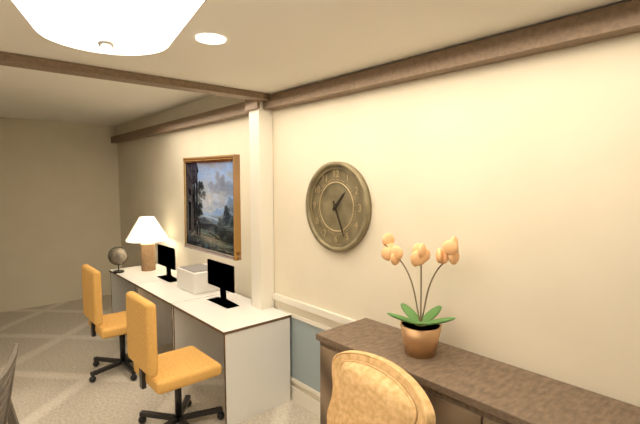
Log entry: 1:26
